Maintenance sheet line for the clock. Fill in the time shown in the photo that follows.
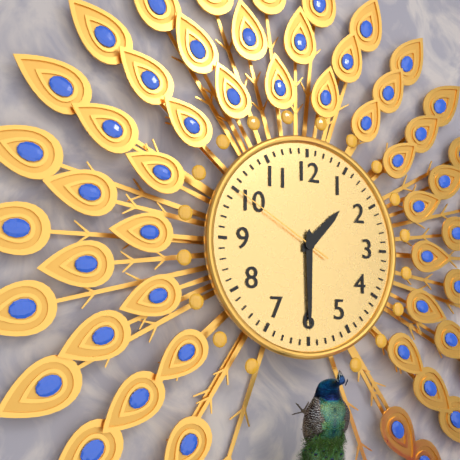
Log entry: 1:30:50
